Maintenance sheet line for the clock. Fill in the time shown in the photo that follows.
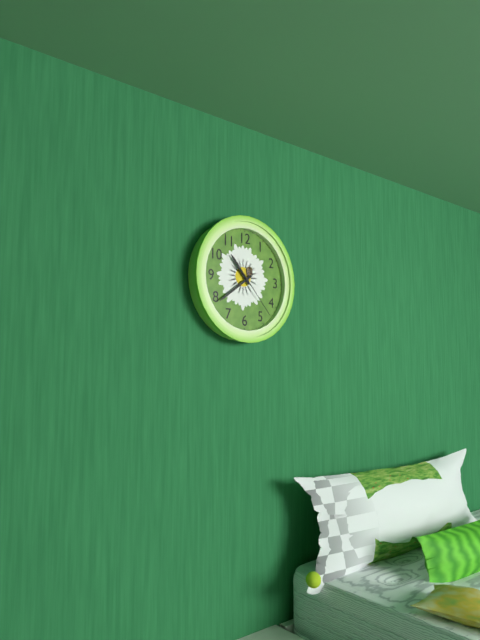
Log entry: 10:39:23
